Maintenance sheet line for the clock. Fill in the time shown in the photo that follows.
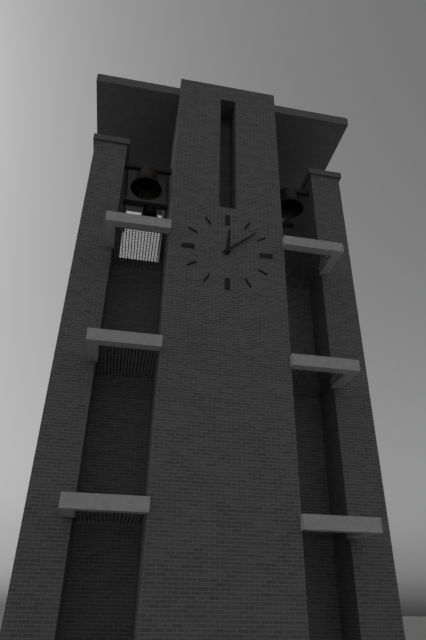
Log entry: 12:08
